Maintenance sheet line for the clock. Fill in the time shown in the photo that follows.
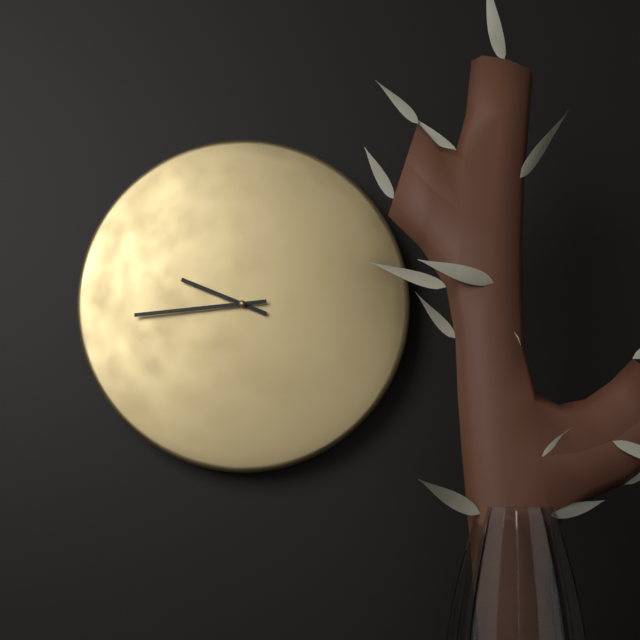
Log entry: 9:44
